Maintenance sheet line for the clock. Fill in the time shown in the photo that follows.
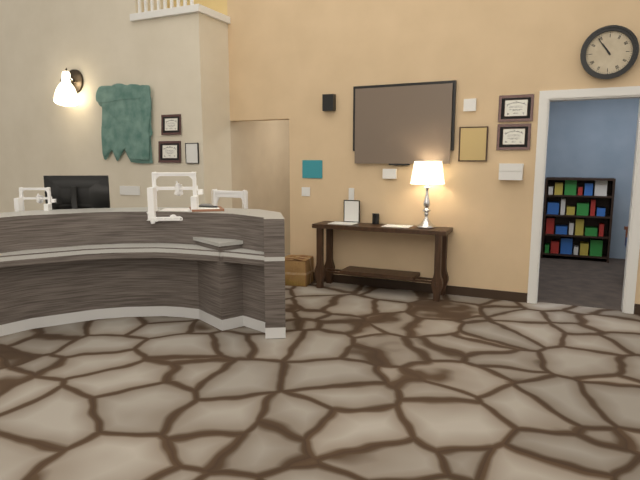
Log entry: 10:54
